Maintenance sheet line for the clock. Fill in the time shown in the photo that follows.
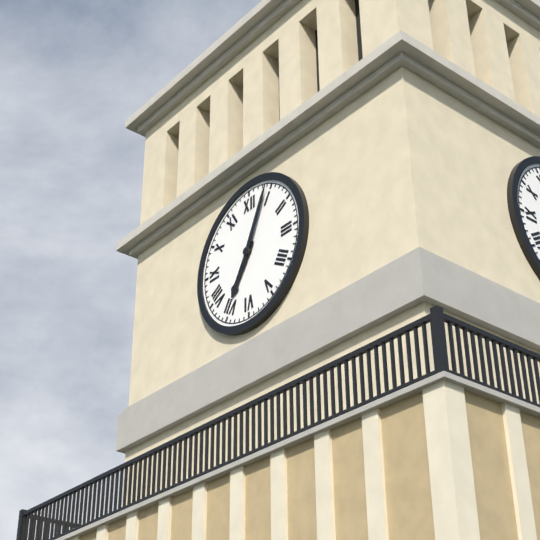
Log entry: 7:04
